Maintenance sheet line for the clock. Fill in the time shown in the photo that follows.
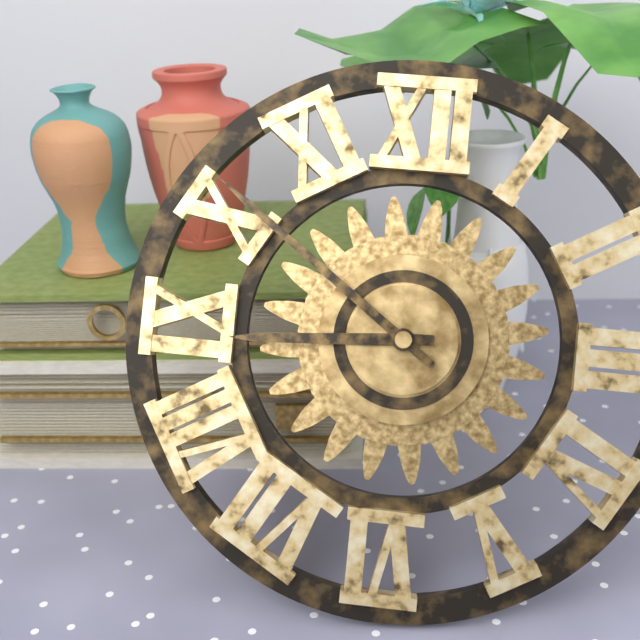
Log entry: 8:51
